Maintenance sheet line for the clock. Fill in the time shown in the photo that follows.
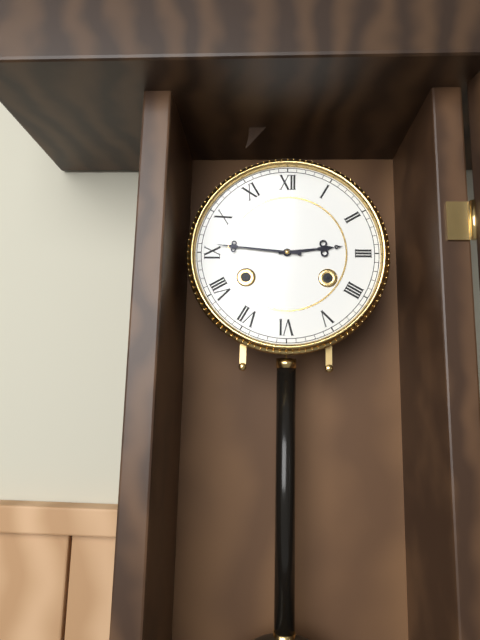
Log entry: 2:46
